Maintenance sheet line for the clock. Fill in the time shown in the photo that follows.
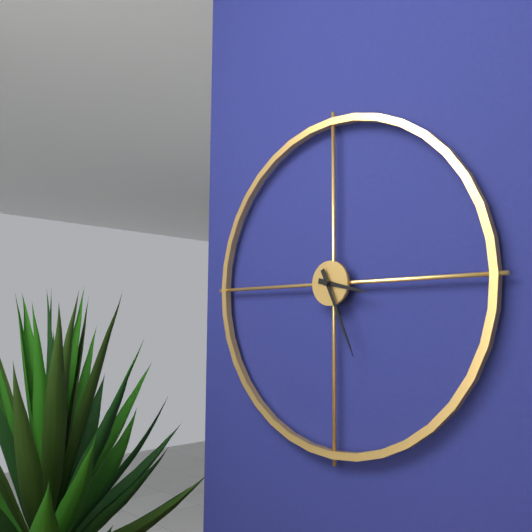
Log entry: 3:26
